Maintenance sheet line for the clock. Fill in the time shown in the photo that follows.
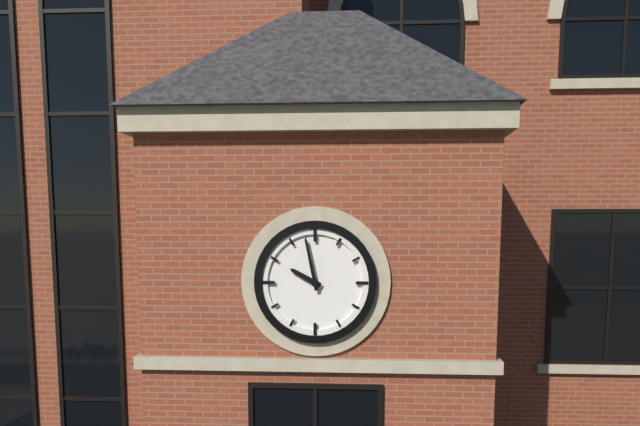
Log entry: 9:58
